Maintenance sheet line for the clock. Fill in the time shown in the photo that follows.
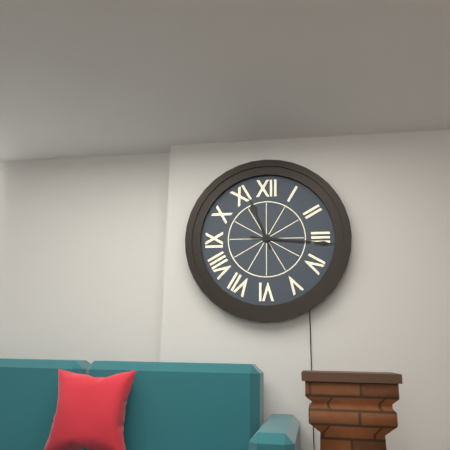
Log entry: 11:16
